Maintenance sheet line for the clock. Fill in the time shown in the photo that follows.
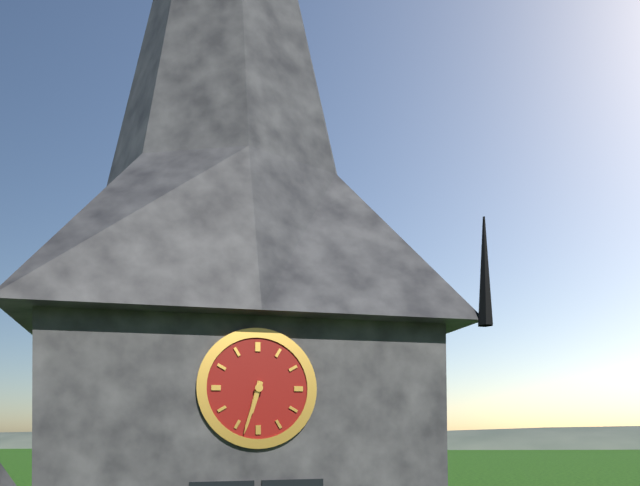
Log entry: 6:33
